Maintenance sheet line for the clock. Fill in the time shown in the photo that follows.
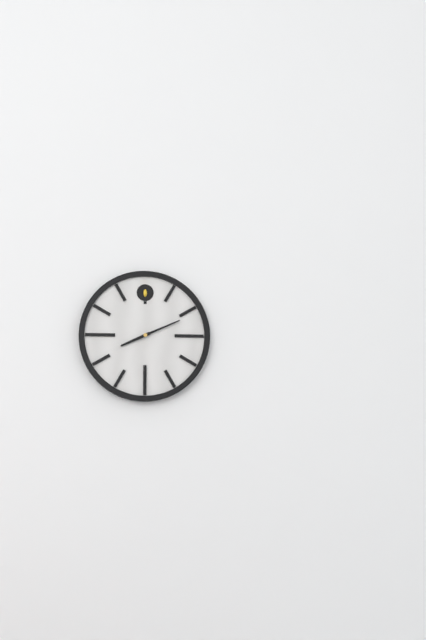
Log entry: 8:11
